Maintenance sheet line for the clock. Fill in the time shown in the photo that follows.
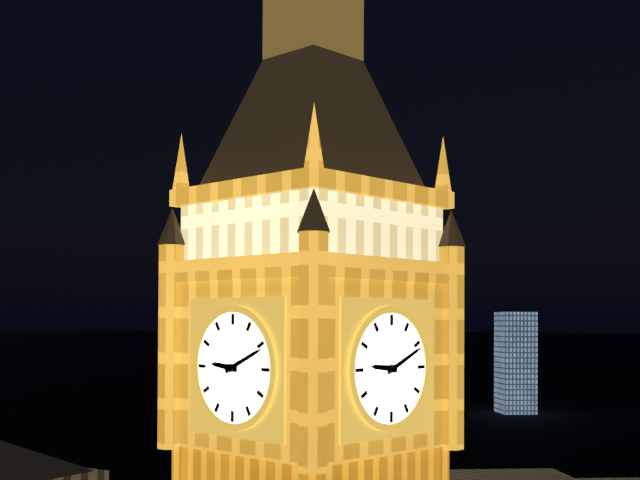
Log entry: 9:11
